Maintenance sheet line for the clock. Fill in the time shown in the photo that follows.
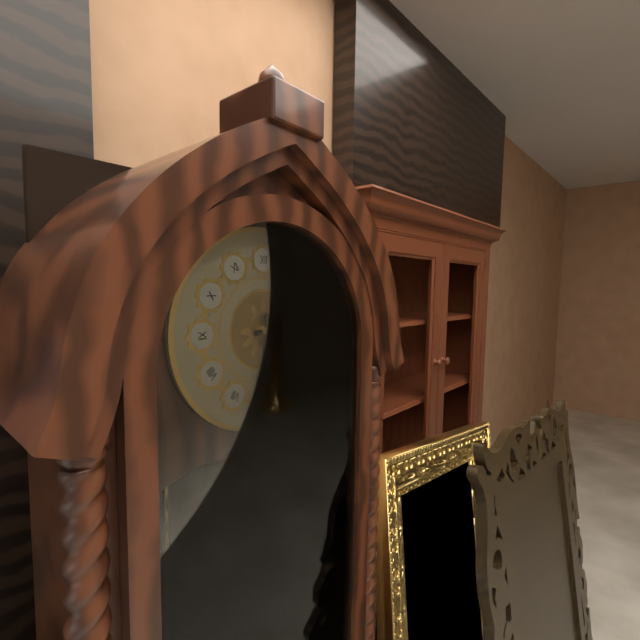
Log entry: 2:31
